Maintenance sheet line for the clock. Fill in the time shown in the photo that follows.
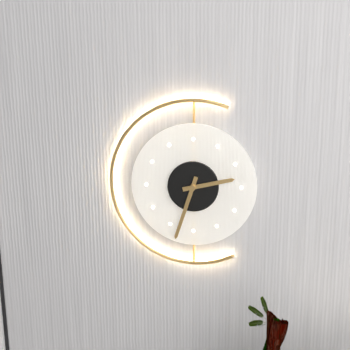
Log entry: 2:33
